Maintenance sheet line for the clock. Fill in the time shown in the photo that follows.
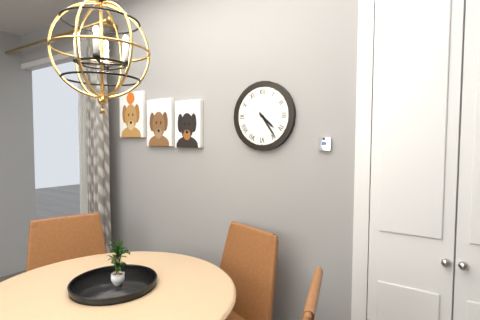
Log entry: 4:24
